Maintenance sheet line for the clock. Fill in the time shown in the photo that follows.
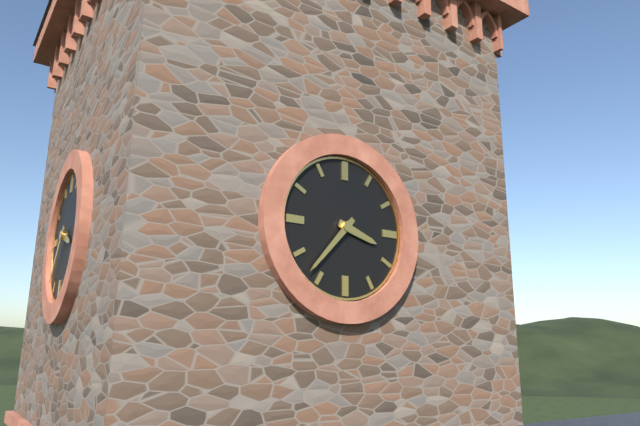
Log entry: 3:37
